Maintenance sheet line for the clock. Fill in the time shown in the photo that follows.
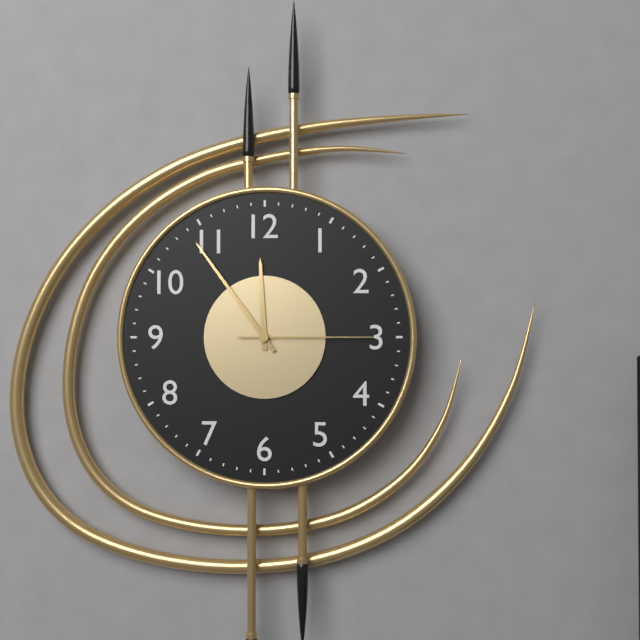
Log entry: 11:54:15
